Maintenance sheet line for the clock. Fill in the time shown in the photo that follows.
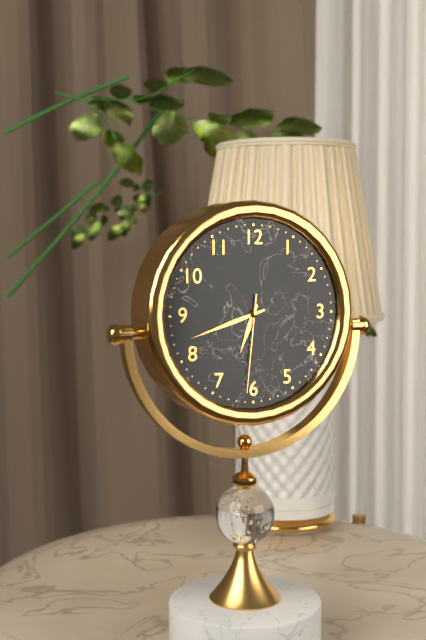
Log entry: 6:42:31
